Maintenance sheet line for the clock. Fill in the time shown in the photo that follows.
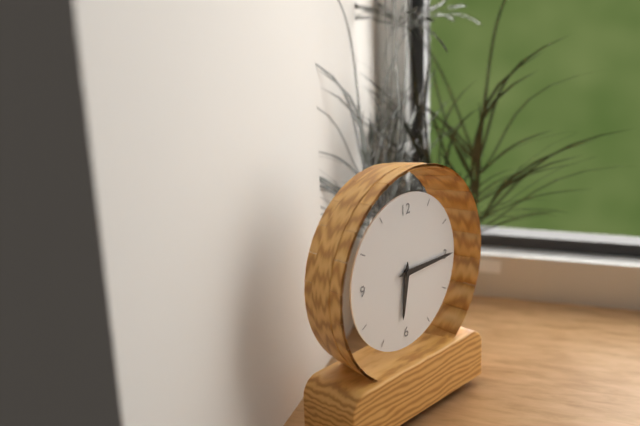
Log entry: 6:15
